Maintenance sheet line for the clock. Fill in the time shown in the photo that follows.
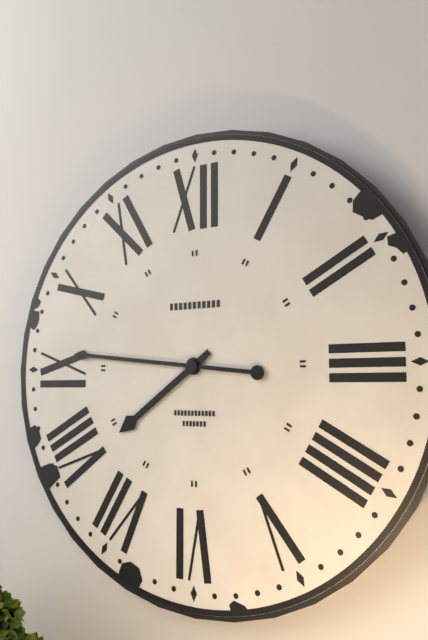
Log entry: 7:46
